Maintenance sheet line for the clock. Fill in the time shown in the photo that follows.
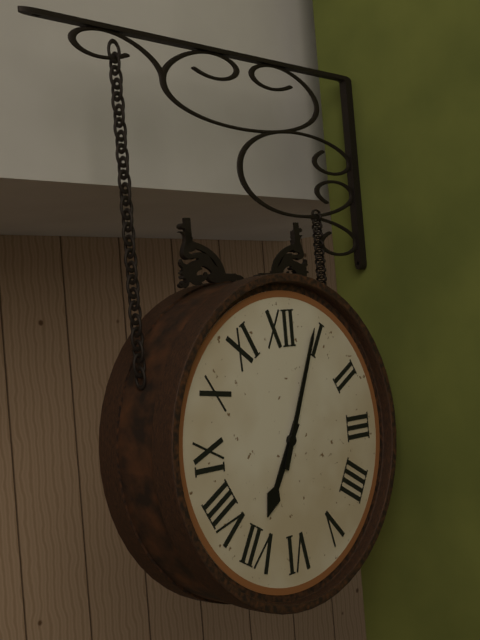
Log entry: 7:04
